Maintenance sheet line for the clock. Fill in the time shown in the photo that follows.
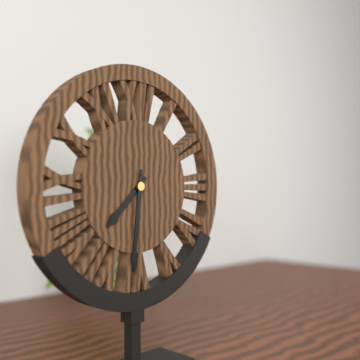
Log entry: 7:31
